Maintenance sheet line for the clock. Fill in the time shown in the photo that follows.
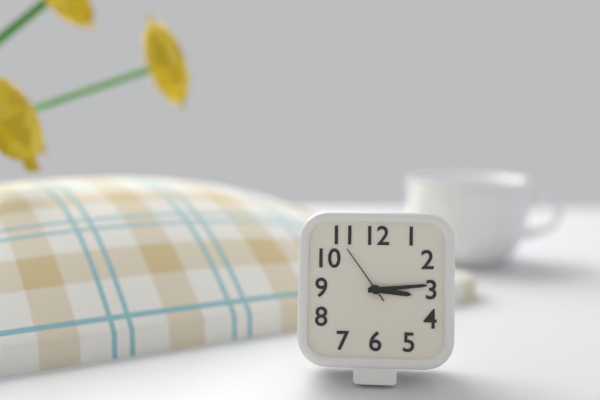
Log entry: 3:14:54
